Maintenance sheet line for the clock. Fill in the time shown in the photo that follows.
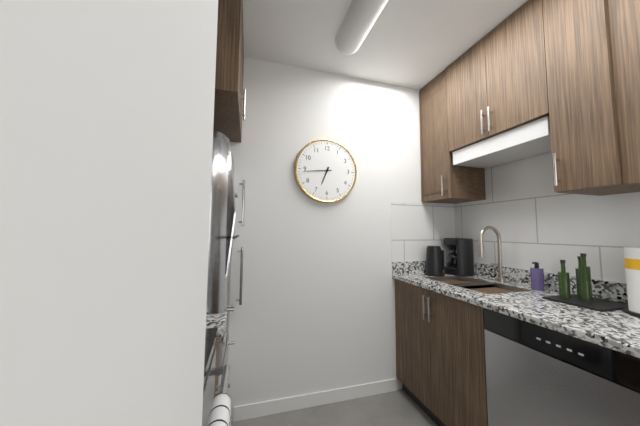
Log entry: 6:44
